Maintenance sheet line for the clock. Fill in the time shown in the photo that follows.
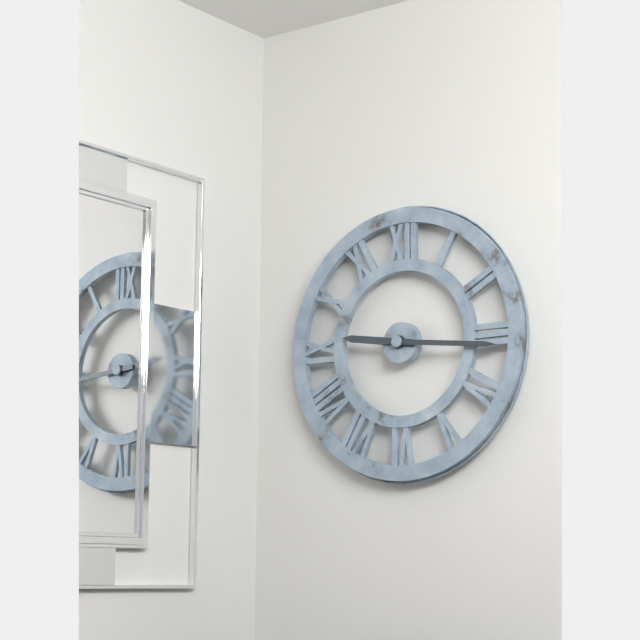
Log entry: 9:16
